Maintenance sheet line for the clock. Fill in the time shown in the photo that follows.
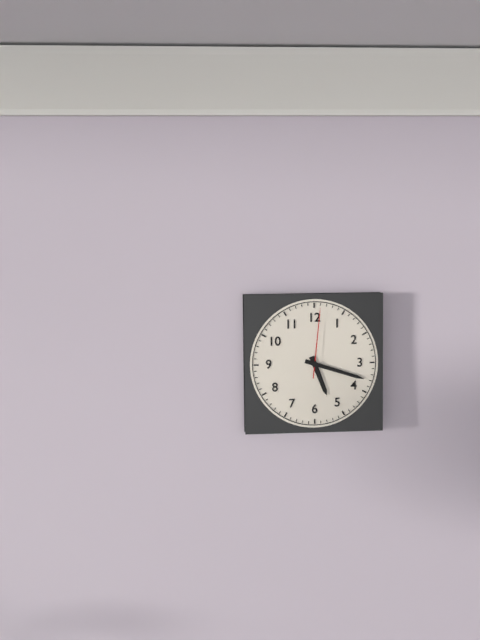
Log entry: 5:18:01
